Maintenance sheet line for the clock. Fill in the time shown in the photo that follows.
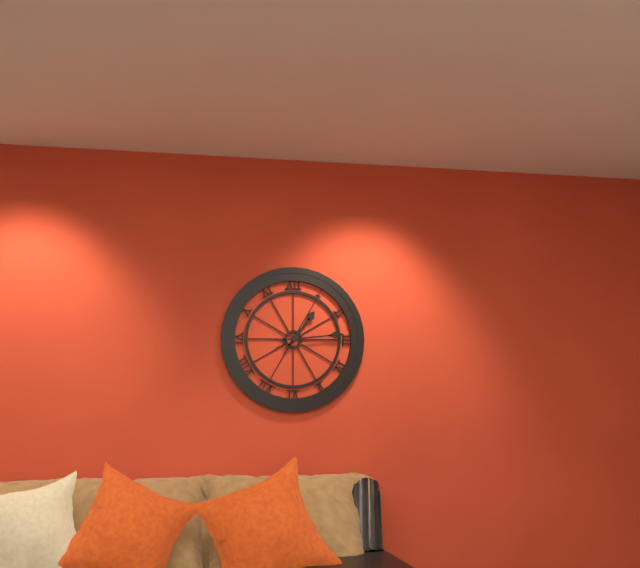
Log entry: 1:14
